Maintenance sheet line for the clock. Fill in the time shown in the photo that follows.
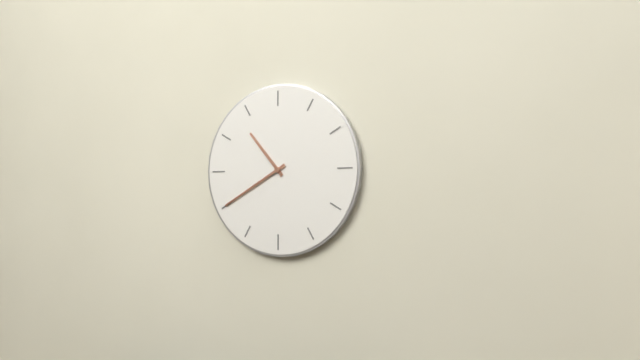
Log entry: 10:40
